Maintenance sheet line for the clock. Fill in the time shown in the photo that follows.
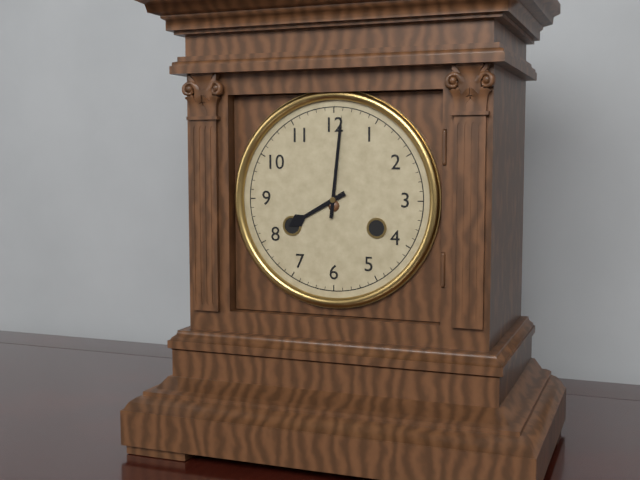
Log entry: 8:01
